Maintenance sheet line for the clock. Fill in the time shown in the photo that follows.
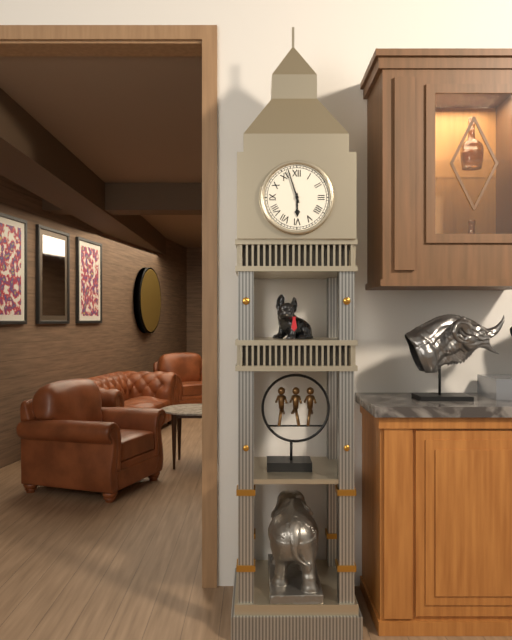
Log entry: 5:57
